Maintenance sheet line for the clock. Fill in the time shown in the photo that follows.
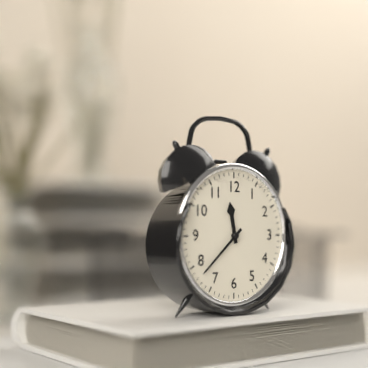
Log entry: 11:38
